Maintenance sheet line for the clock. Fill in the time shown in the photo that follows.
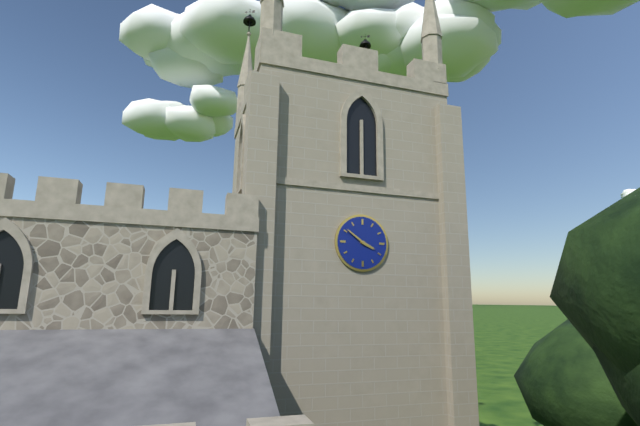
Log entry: 3:51
